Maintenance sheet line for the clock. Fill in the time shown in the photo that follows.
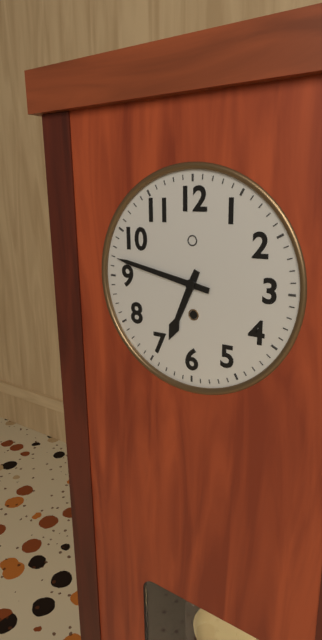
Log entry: 6:47
